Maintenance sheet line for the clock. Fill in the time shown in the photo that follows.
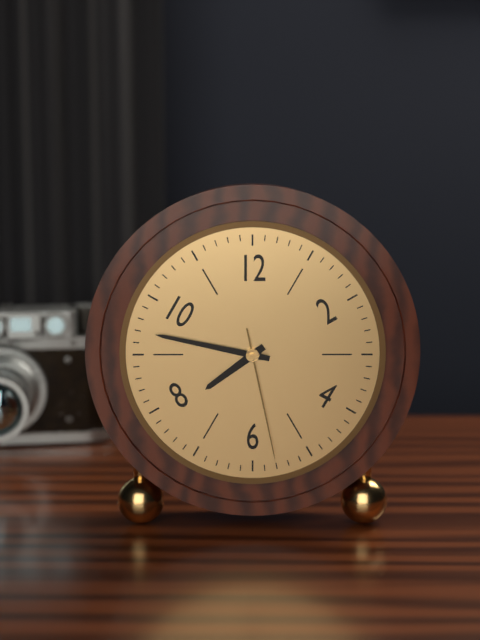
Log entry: 7:47:28
